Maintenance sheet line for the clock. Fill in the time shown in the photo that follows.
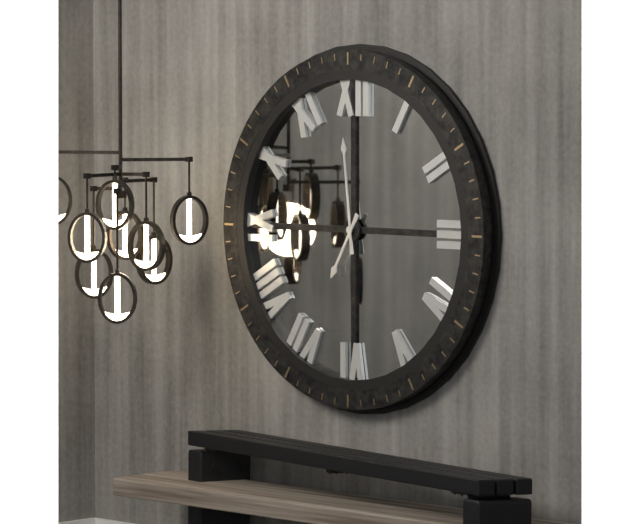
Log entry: 6:59
